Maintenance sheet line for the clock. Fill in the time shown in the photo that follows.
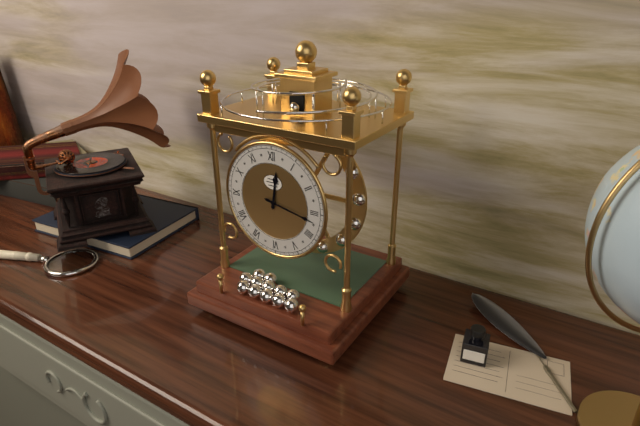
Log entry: 12:17
